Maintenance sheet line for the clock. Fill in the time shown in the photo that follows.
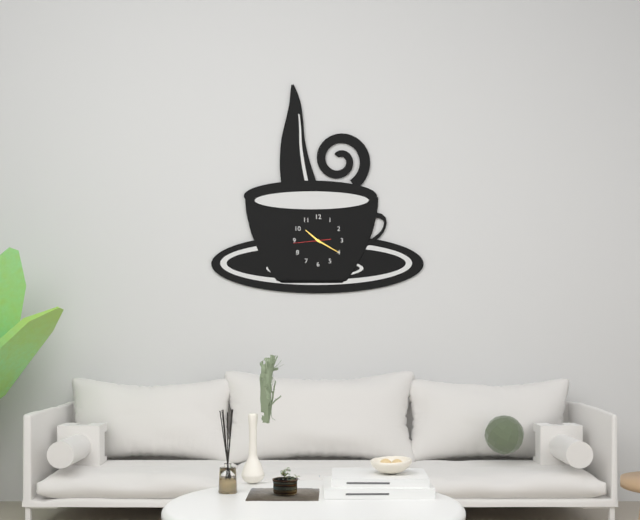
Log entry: 10:20
